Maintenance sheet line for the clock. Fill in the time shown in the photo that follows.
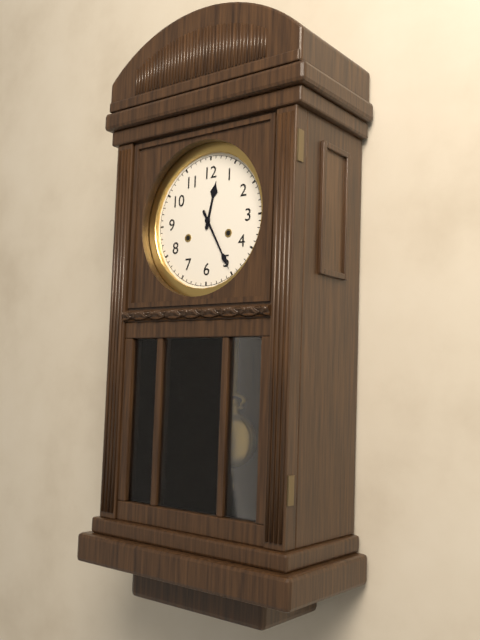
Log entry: 12:25
